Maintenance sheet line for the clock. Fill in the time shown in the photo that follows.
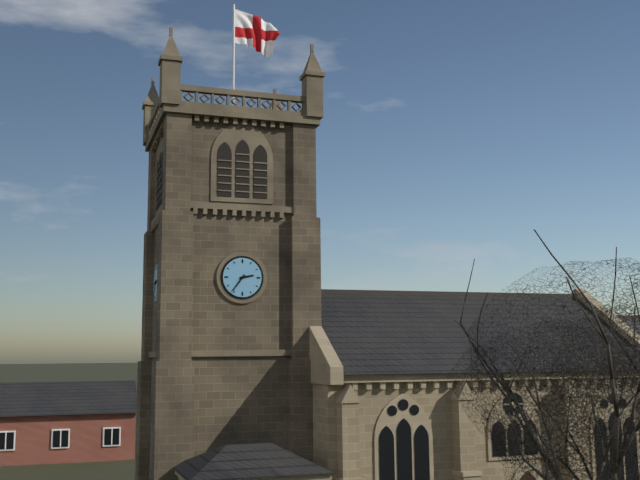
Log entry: 2:36
